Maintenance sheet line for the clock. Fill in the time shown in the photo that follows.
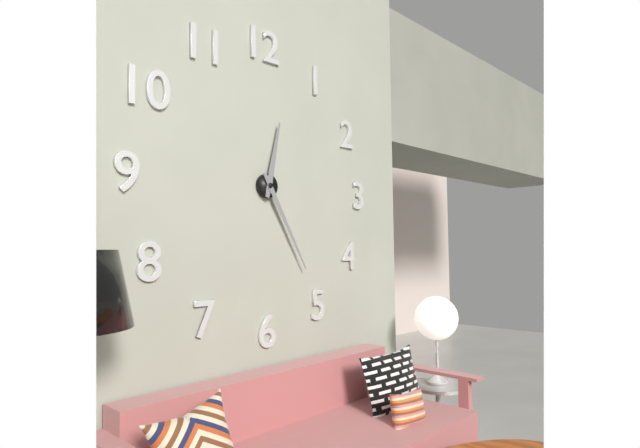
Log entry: 12:25
